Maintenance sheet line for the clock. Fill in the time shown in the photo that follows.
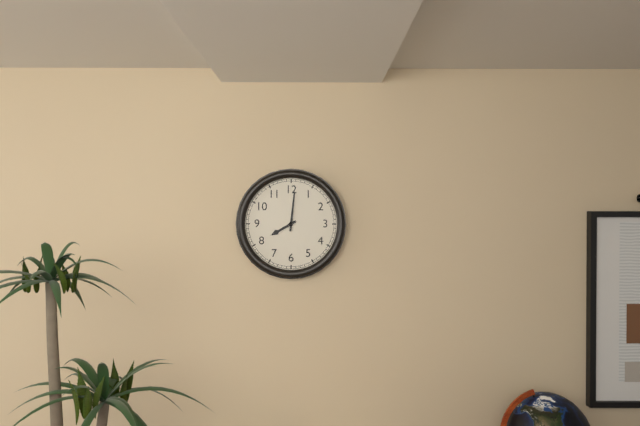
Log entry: 8:01
